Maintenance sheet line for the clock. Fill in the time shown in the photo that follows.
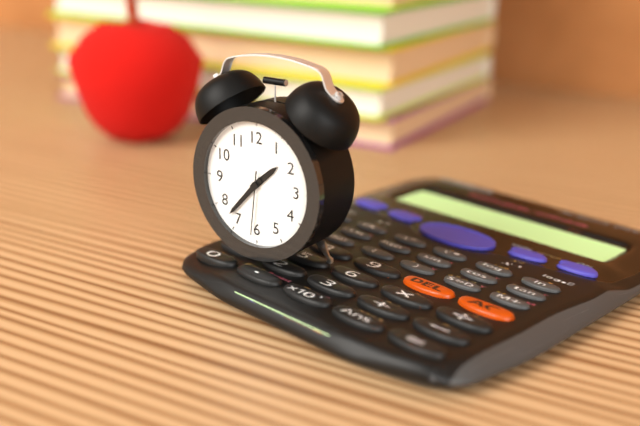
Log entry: 1:37:31
